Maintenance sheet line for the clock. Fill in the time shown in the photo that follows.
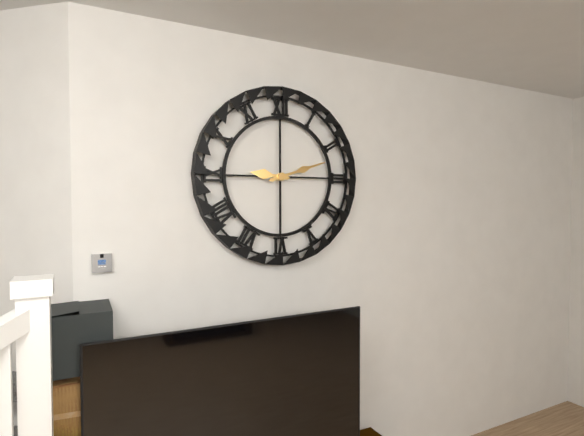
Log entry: 9:12
